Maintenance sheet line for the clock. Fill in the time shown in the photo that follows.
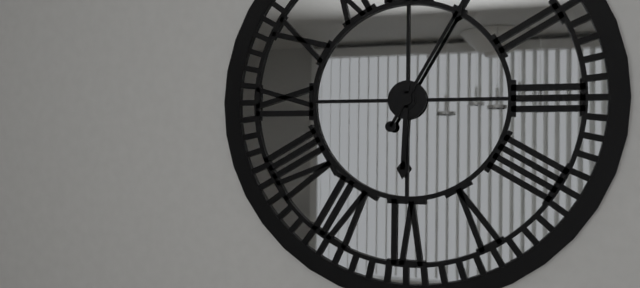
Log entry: 6:05
